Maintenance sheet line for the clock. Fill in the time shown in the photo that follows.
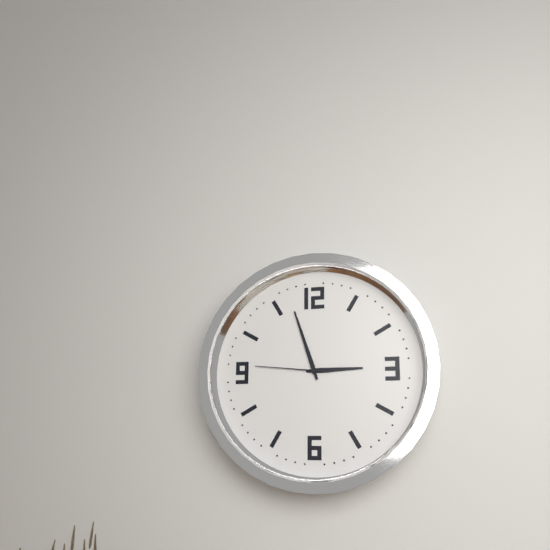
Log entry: 2:57:46
